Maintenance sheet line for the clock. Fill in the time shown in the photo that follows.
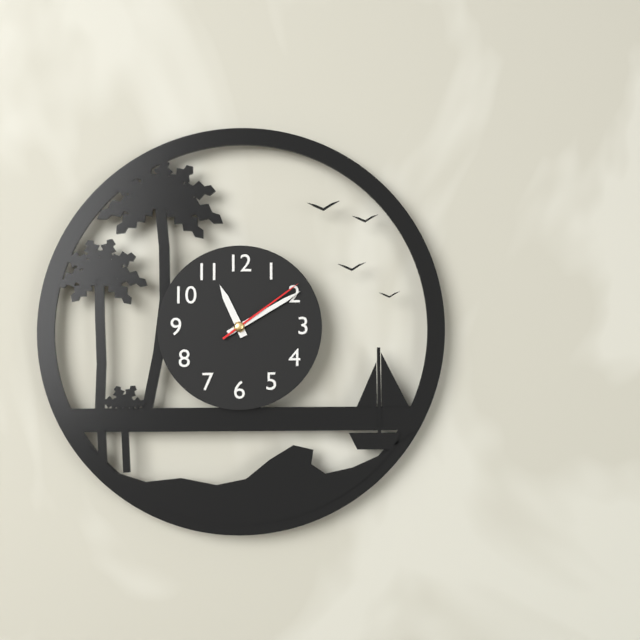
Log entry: 11:10:09
